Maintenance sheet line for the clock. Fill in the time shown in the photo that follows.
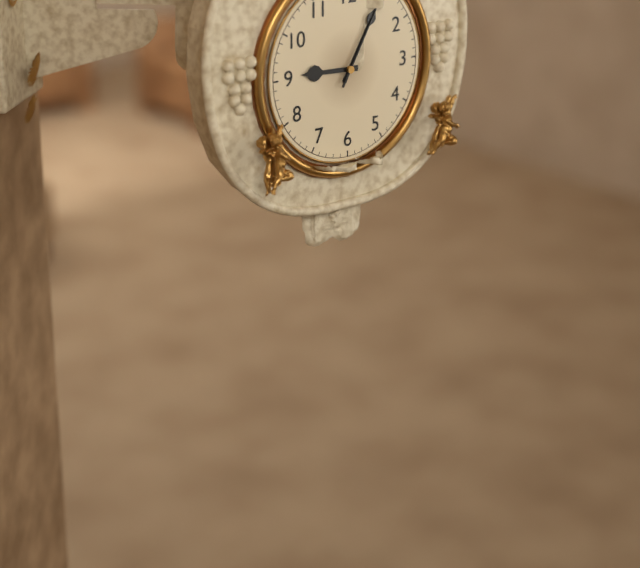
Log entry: 9:05
